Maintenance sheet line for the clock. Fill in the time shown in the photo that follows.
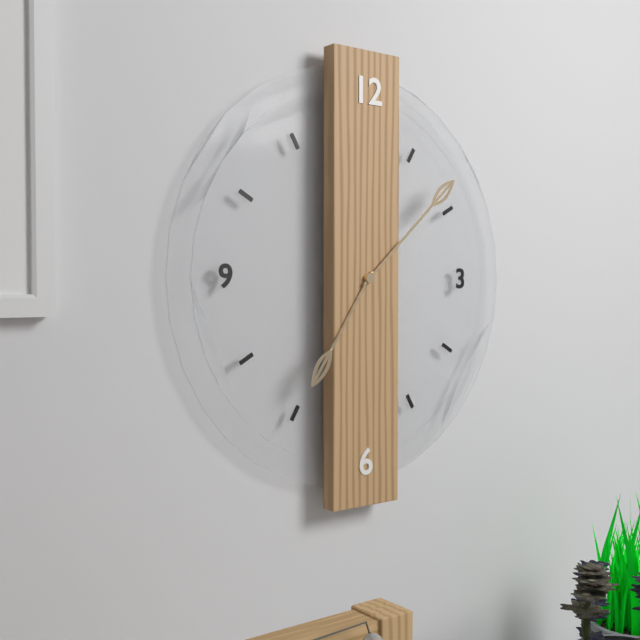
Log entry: 7:08
